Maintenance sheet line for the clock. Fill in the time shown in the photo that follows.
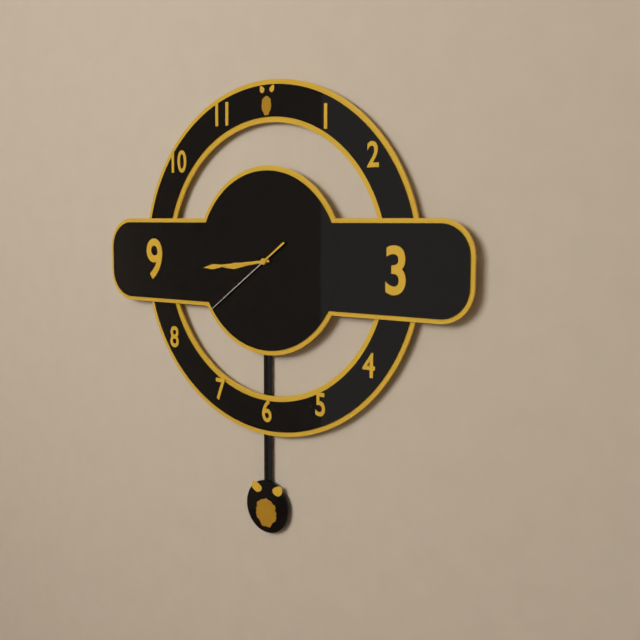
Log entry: 8:44:39
